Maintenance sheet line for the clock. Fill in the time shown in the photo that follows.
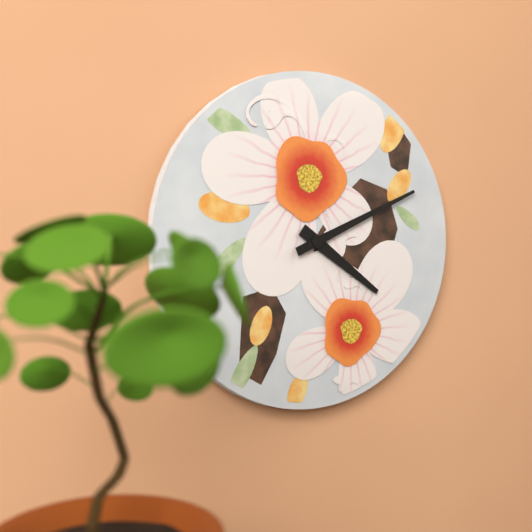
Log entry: 4:11
